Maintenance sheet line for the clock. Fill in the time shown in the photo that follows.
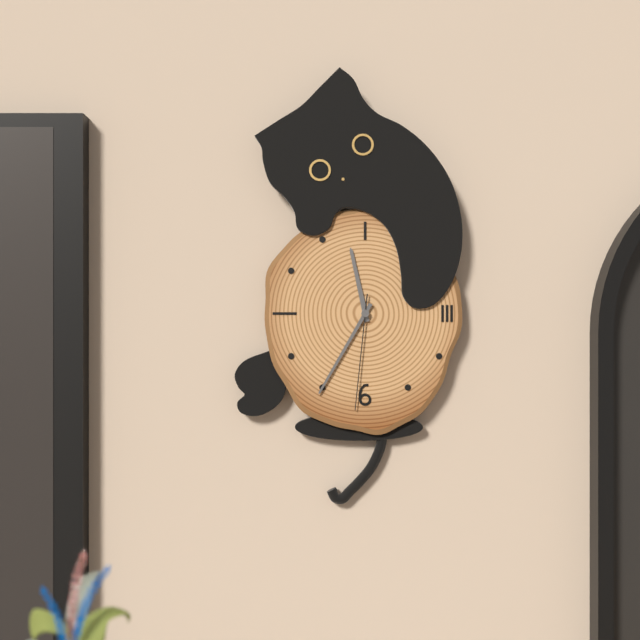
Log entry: 11:35:31
